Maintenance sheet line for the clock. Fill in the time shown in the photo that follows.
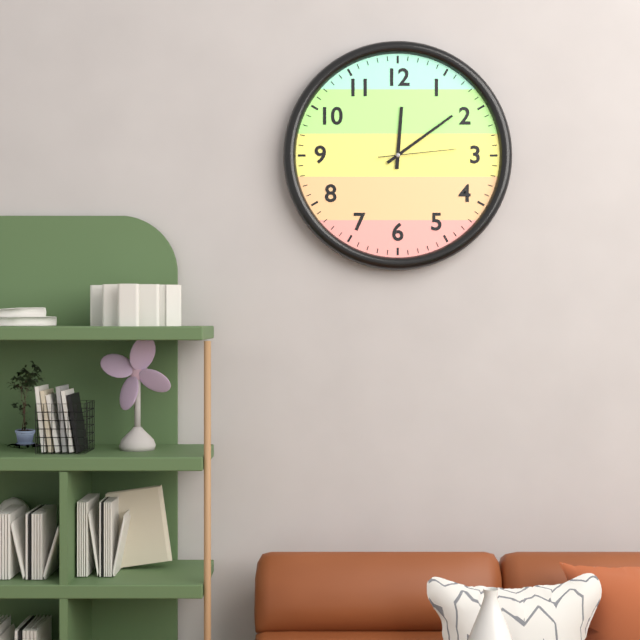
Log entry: 12:09:14
